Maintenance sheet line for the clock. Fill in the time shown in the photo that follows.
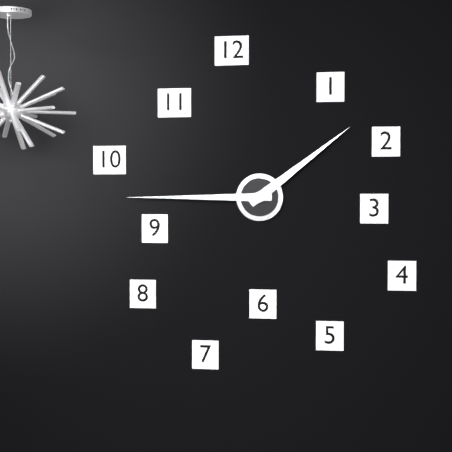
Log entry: 1:45
